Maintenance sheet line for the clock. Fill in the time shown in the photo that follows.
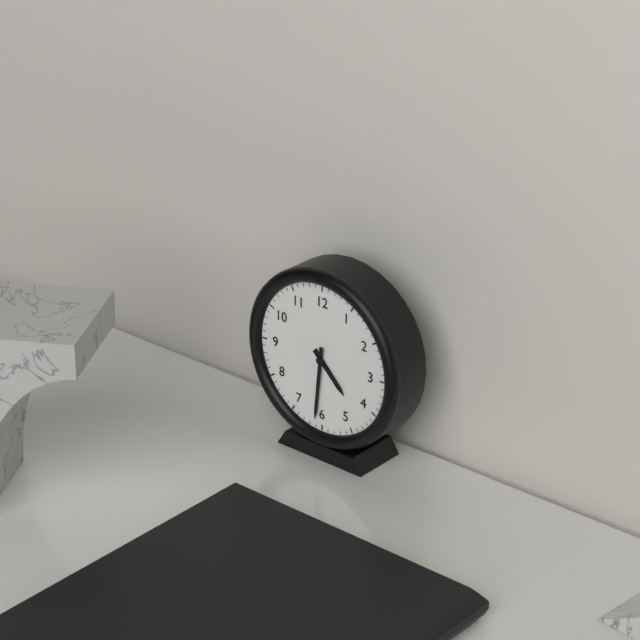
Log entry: 4:31
